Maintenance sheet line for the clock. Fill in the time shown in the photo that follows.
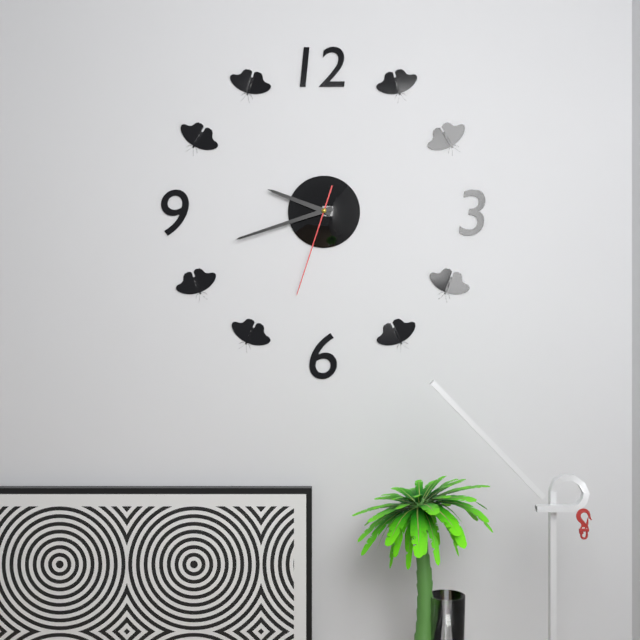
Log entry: 9:42:33
